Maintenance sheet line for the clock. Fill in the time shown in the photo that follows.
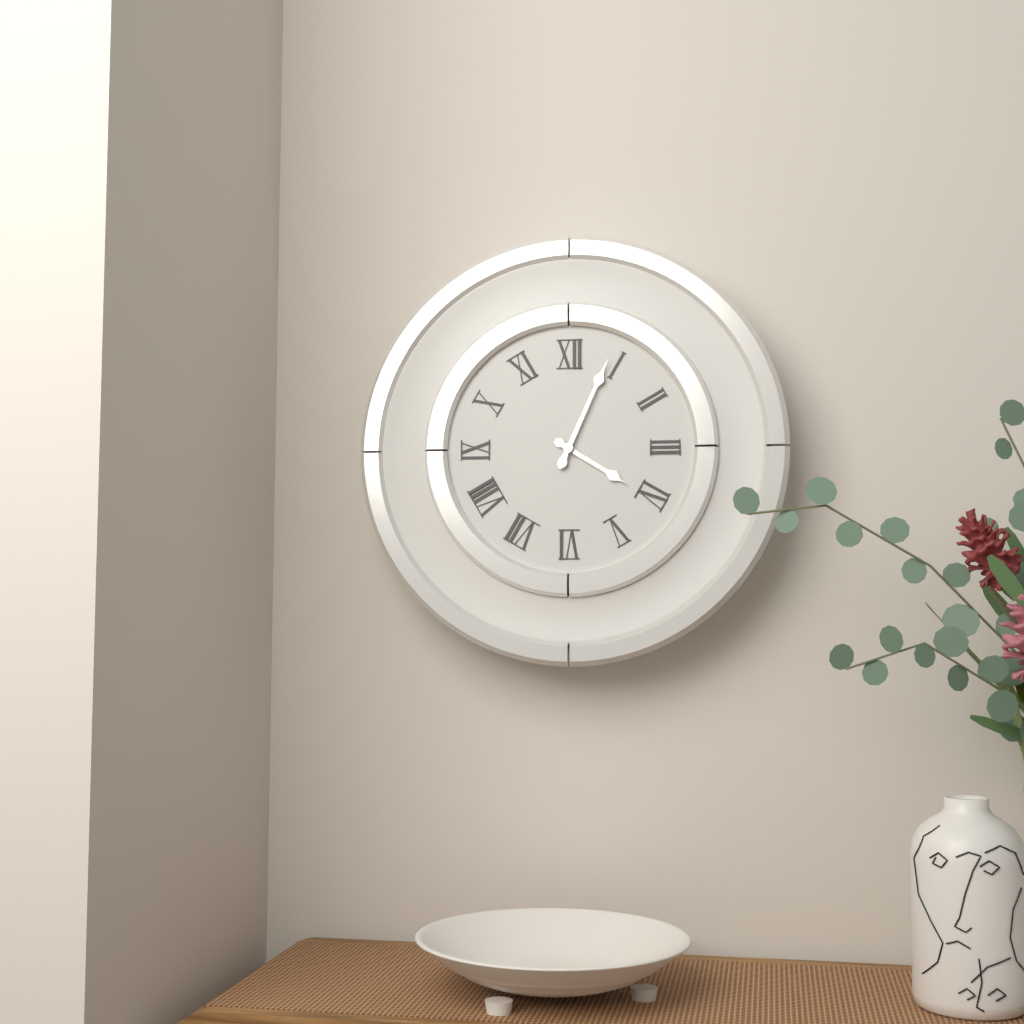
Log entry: 4:04
